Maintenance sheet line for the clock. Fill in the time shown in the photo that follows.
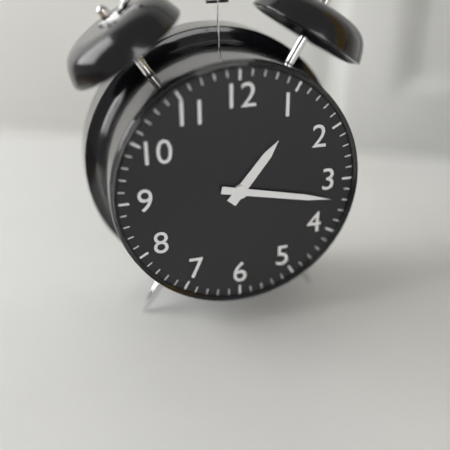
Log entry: 1:17
